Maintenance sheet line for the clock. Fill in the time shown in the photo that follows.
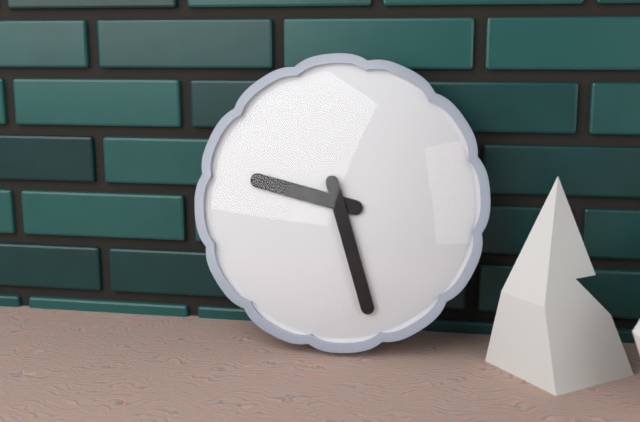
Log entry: 9:27
